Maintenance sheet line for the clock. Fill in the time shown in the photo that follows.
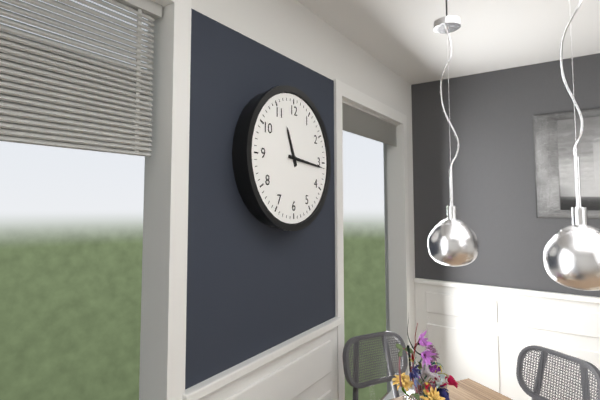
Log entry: 11:16
